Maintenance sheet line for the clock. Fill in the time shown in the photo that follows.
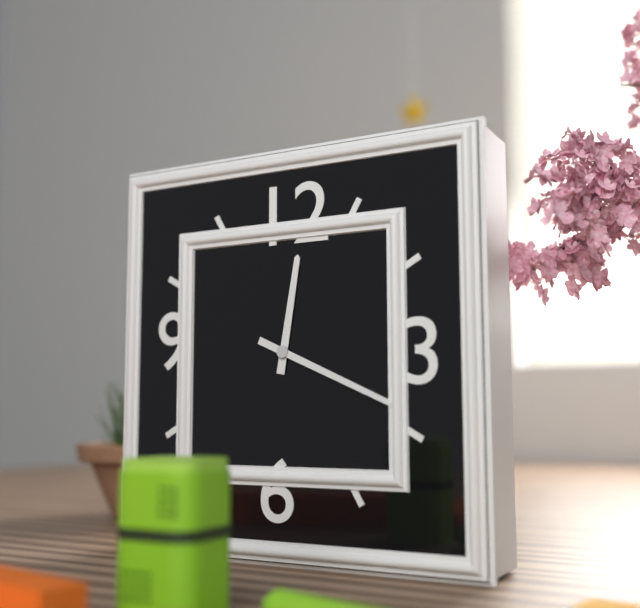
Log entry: 12:19
